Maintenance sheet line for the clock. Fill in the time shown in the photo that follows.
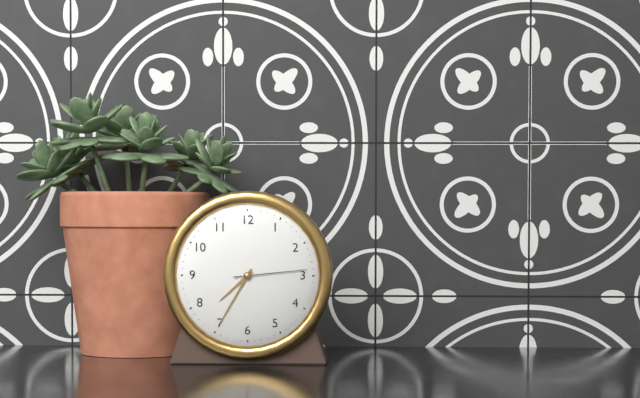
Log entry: 7:35:14
